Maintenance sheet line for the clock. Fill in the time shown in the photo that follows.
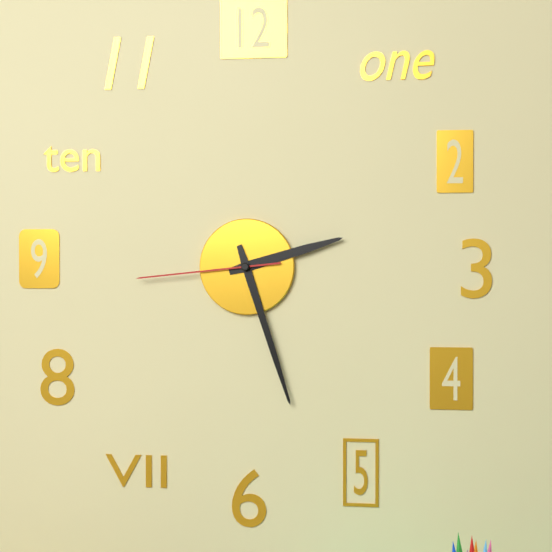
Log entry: 2:27:44
